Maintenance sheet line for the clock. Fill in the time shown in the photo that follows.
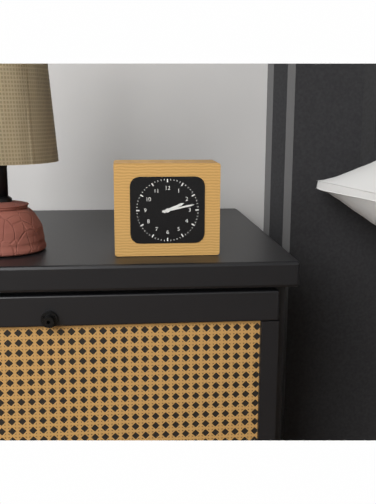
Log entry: 2:13
